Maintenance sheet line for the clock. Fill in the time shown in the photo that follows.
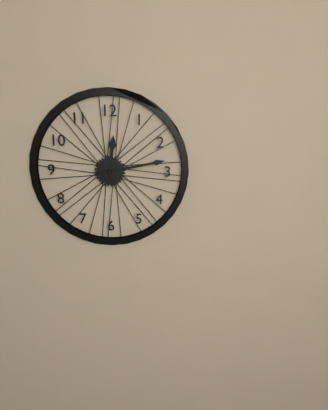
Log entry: 12:13
